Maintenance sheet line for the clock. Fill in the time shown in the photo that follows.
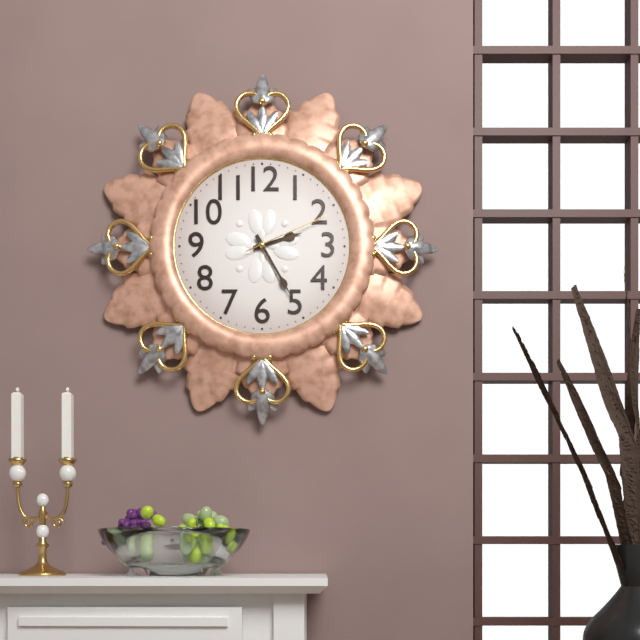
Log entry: 2:25:11
